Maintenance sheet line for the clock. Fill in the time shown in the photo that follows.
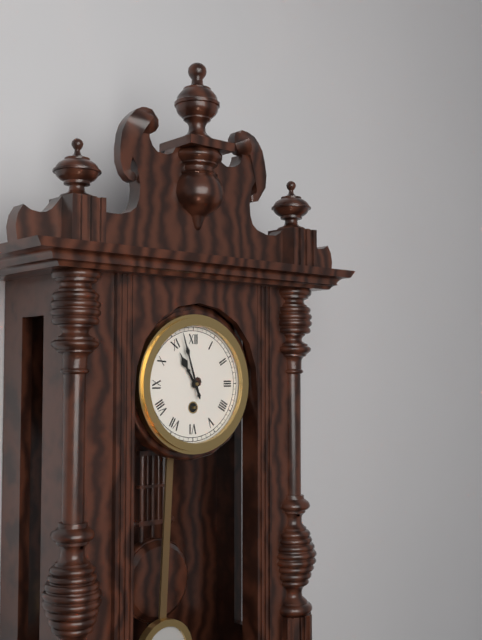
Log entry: 10:57
